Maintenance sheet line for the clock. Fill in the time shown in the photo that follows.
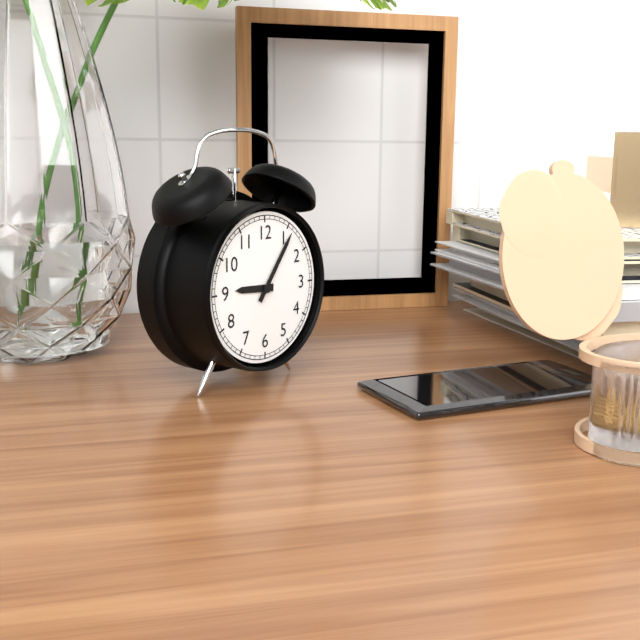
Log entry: 9:06
